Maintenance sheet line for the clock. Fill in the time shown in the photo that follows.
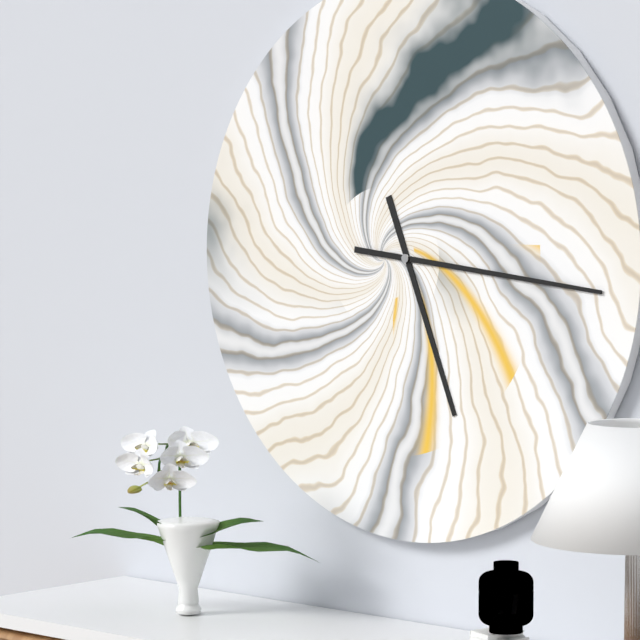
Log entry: 5:16
